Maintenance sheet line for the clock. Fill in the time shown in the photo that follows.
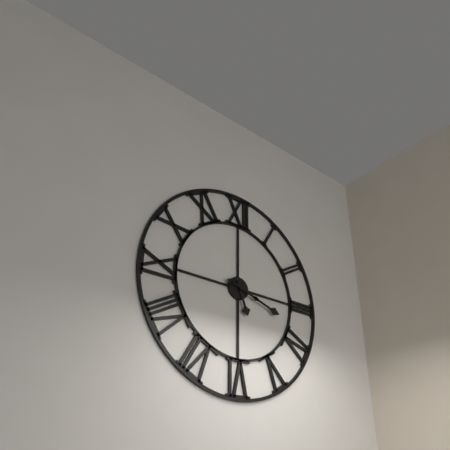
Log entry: 5:18
